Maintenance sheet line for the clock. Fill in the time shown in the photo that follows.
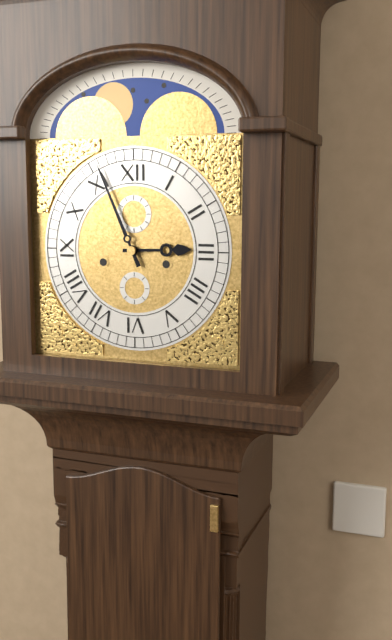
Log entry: 2:56
